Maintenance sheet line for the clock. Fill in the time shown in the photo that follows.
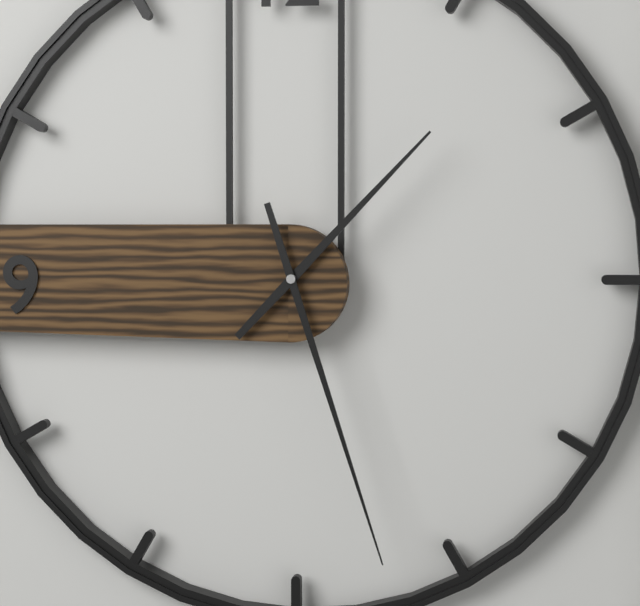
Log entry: 1:27
